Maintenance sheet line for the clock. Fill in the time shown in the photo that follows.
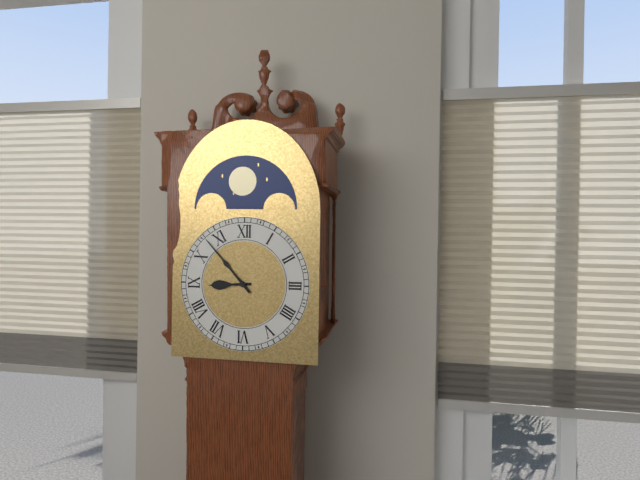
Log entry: 8:53
